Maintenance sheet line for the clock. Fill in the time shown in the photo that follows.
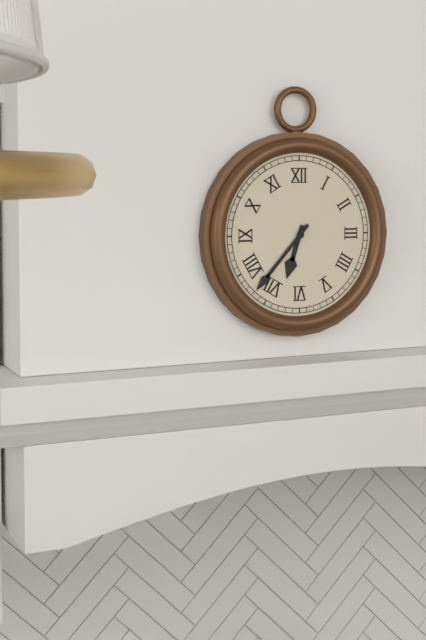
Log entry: 6:37
